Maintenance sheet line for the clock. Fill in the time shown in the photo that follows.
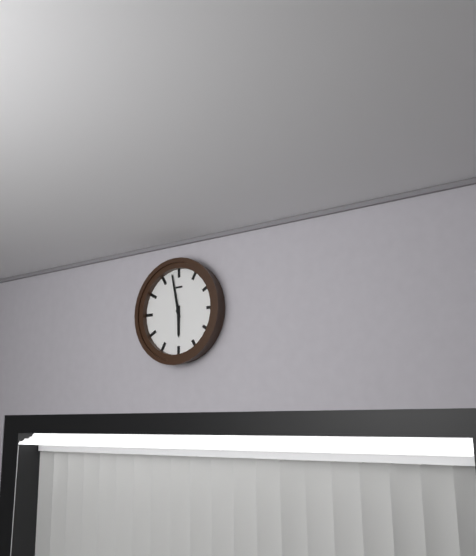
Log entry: 5:58
